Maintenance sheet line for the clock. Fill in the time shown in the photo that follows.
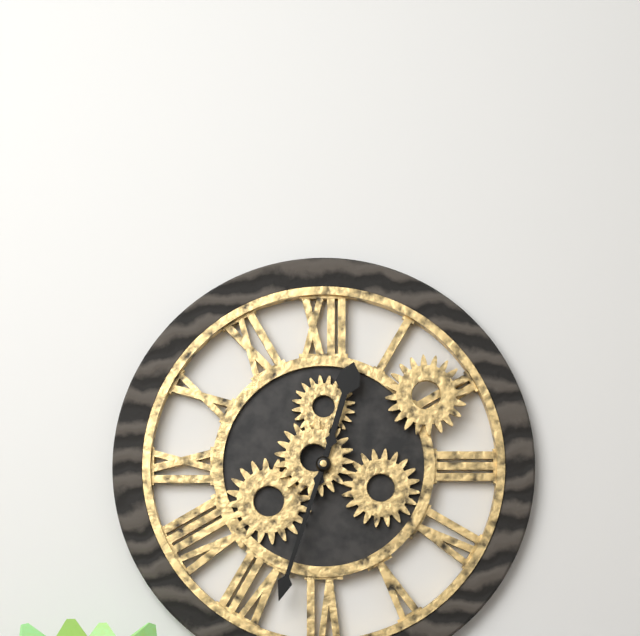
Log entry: 12:33
